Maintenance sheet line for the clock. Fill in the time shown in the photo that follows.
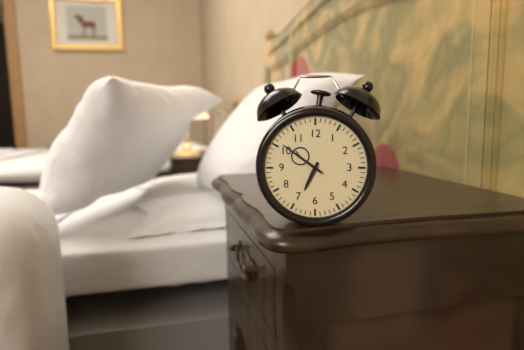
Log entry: 6:51
